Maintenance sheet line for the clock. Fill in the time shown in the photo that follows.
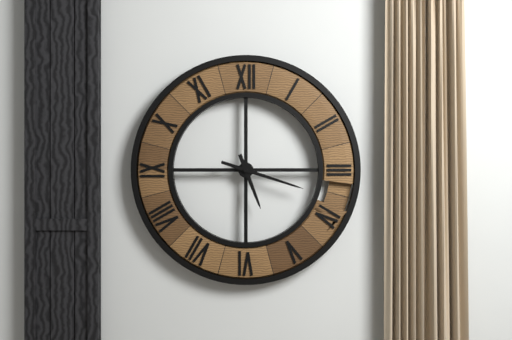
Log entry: 5:18
